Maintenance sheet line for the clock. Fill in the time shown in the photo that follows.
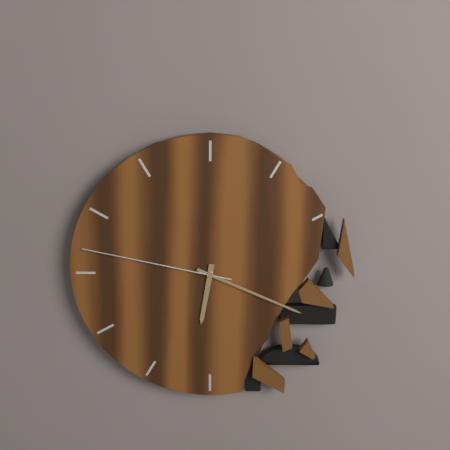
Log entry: 6:19:47
